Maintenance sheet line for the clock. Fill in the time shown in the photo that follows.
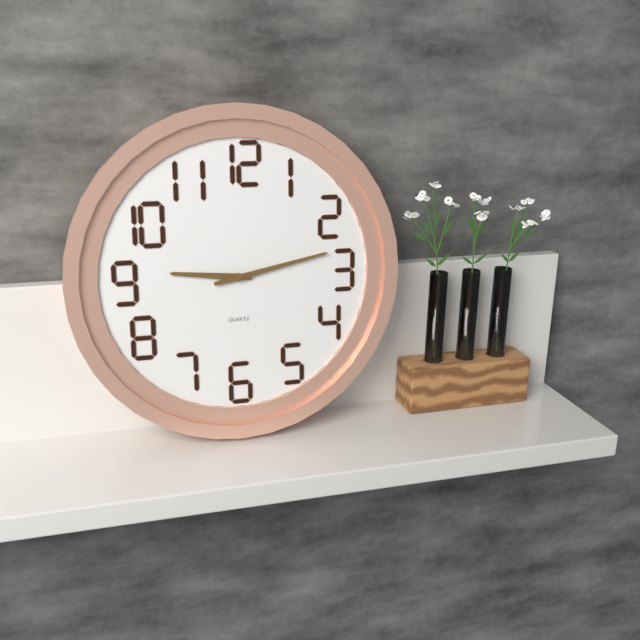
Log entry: 9:13
